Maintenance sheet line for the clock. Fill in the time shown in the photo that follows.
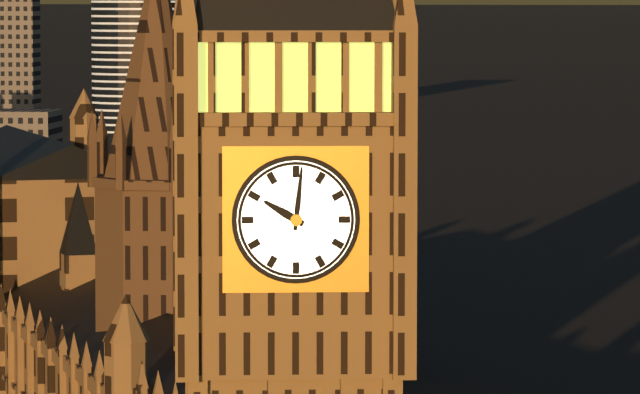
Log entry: 10:01
